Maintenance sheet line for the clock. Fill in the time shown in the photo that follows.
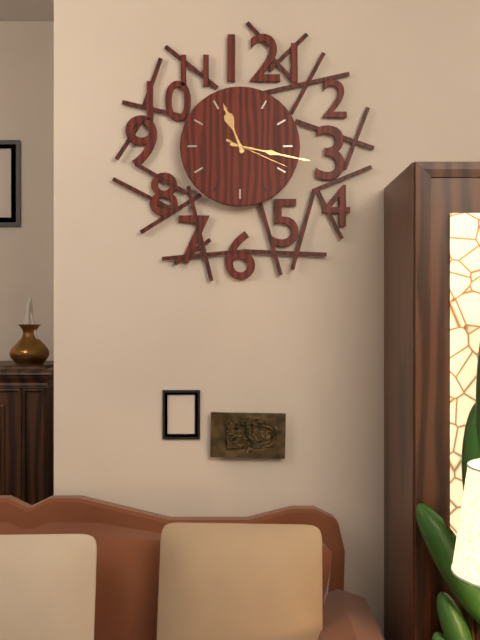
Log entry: 11:17:19
